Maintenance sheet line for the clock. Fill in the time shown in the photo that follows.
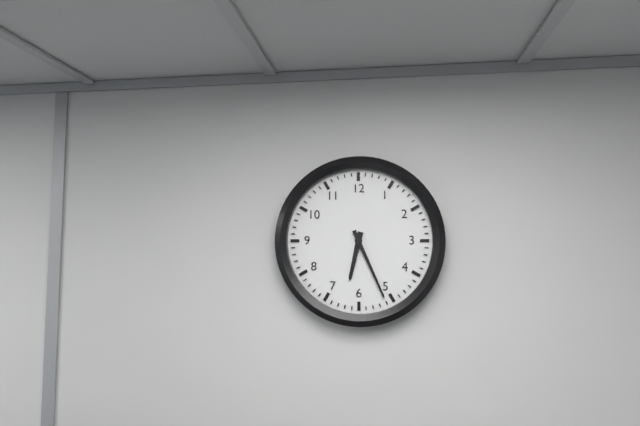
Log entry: 6:26
